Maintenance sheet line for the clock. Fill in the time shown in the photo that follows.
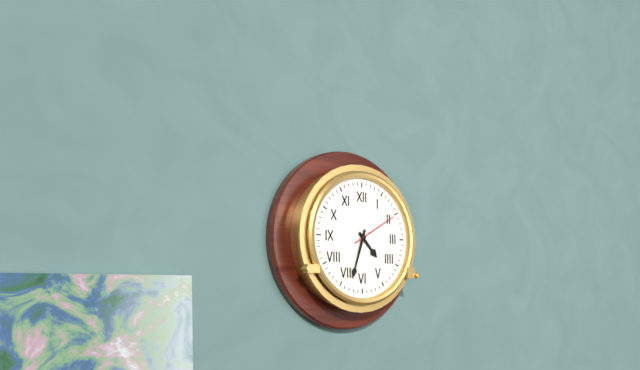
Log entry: 4:33
